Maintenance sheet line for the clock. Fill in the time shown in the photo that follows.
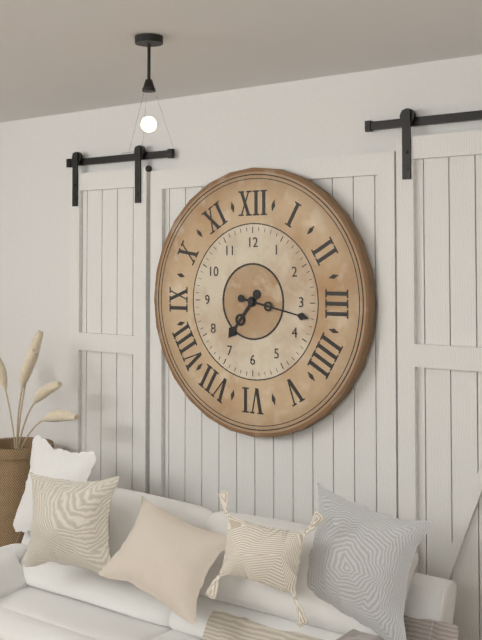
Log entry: 7:17
